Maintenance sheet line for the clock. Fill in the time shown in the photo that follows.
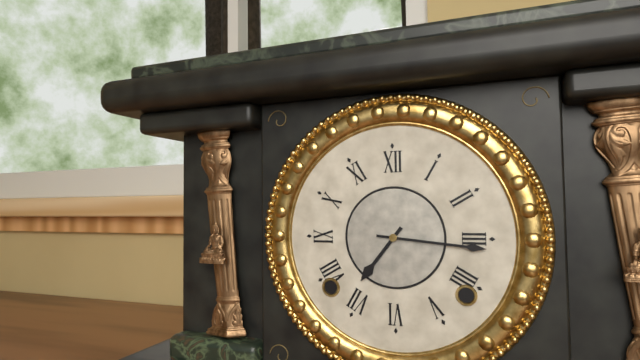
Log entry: 7:16
